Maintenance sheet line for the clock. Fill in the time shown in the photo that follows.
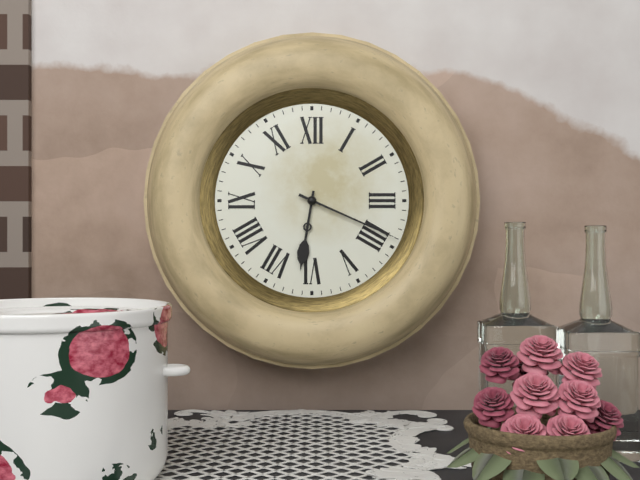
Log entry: 6:19
